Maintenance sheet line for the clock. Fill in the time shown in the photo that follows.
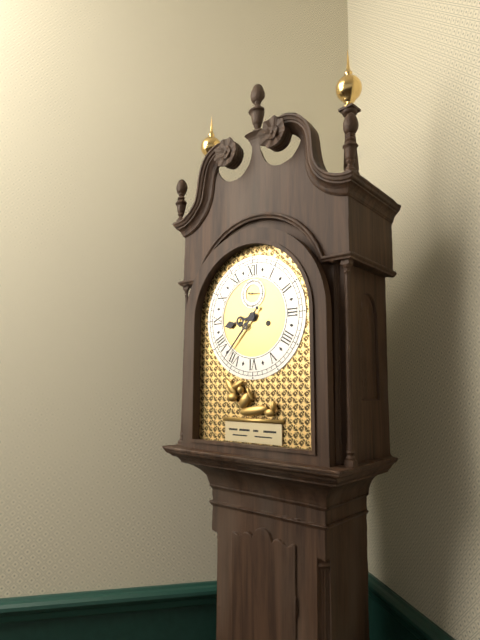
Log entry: 8:37
